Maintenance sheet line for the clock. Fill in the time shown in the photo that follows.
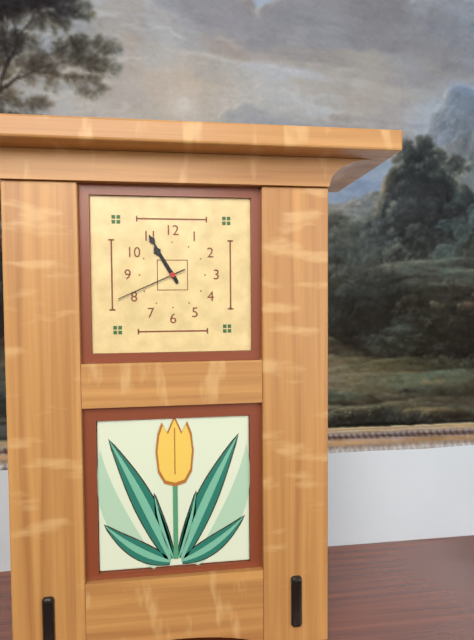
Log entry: 10:55:41
